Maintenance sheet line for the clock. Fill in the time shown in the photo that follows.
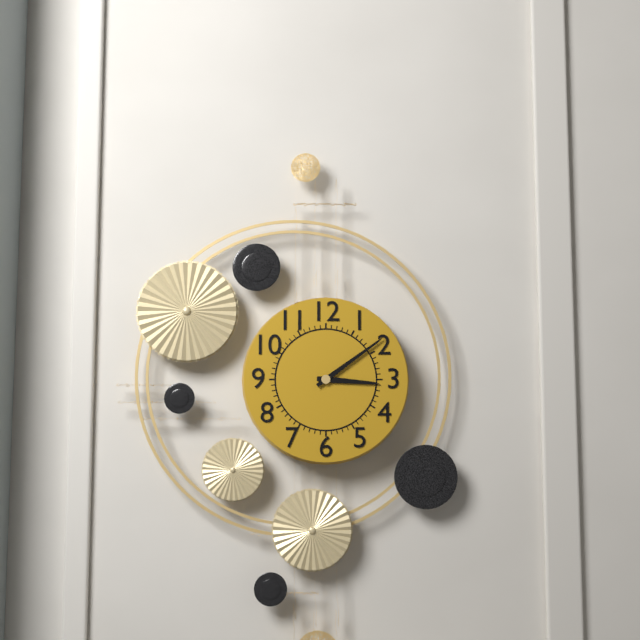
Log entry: 3:09
